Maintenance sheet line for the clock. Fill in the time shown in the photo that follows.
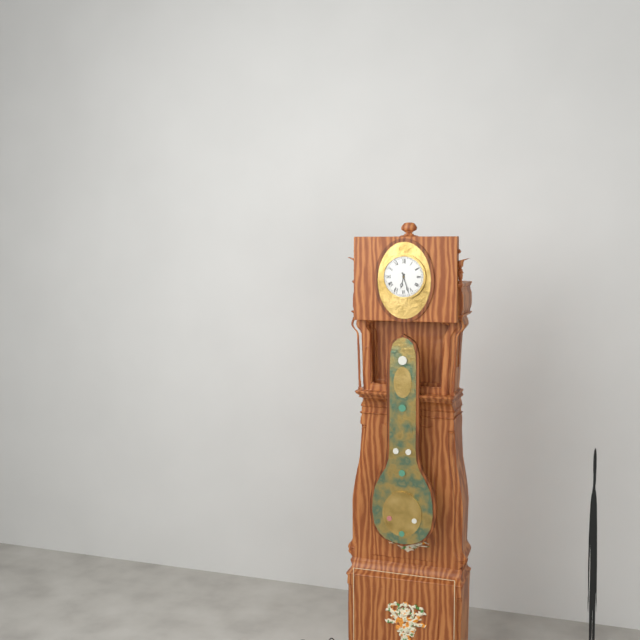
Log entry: 6:27
